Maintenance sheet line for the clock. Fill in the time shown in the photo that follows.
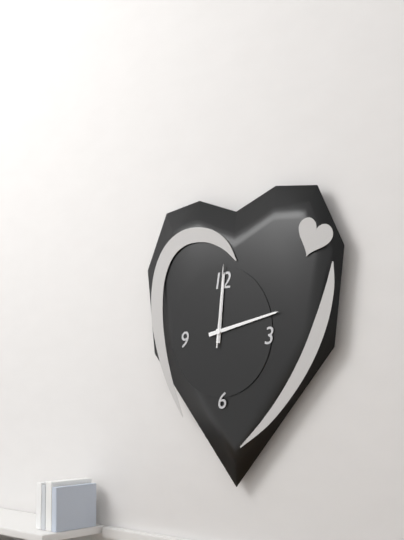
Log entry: 12:13:01
